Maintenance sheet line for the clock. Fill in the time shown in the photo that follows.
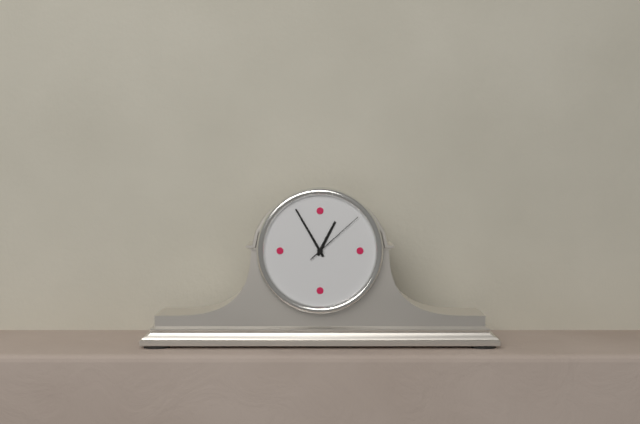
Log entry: 12:55:08
